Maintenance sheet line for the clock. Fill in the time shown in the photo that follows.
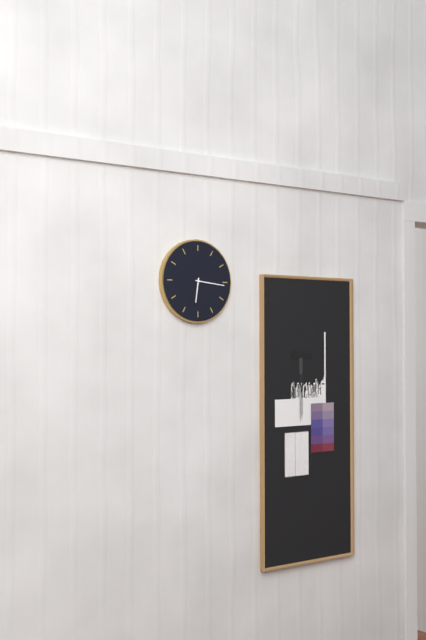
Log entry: 6:16
